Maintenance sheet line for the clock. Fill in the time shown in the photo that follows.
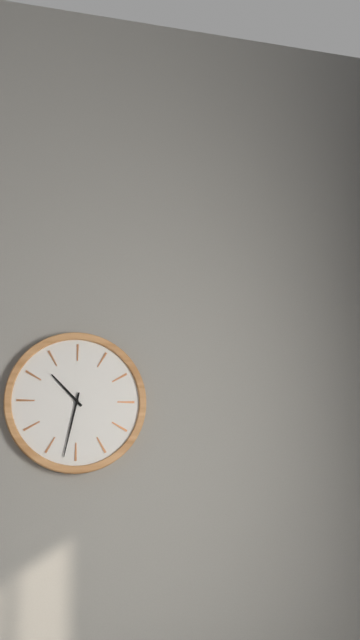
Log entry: 10:32
